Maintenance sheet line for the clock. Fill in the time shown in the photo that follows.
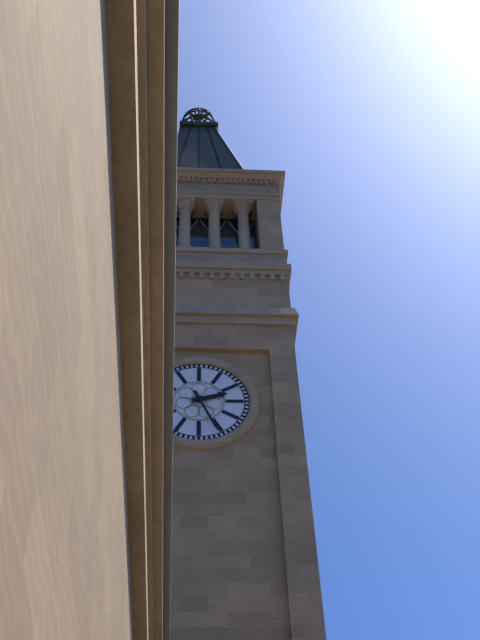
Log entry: 2:26
